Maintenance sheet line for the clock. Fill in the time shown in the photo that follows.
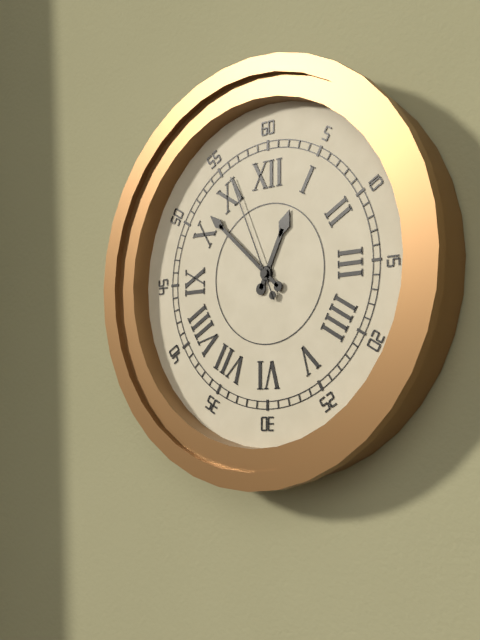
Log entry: 12:52:56
